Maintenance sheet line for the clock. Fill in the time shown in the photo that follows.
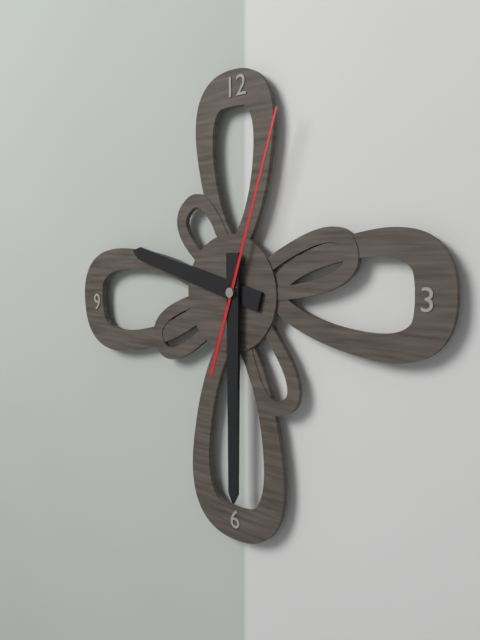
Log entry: 9:30:03
